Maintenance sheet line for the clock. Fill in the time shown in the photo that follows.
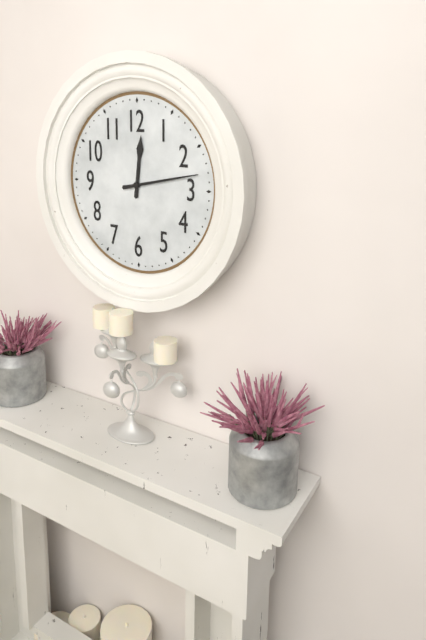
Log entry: 12:13
